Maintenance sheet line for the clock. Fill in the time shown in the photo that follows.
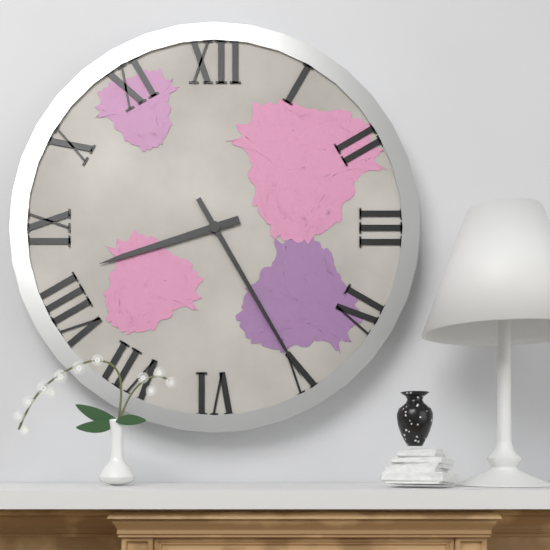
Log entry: 8:25
